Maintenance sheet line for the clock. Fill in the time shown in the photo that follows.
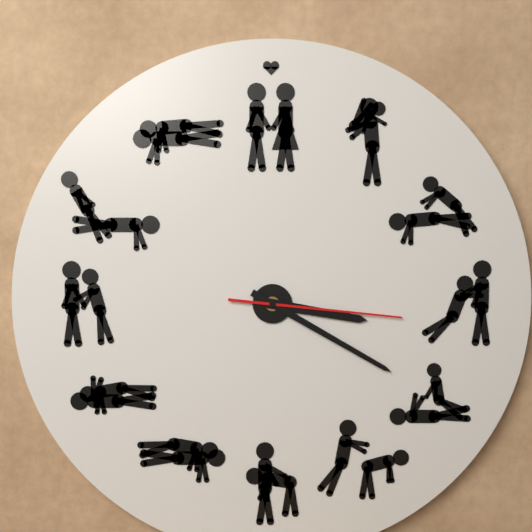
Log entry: 3:20:16
